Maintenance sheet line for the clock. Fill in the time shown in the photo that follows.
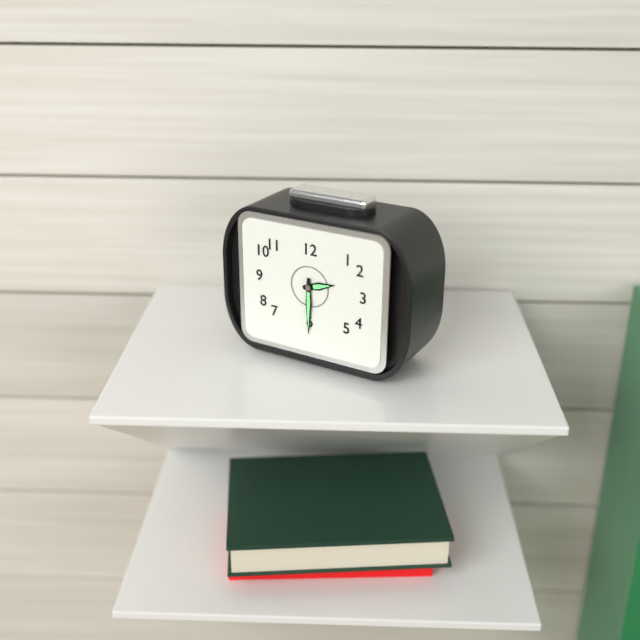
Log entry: 2:30
